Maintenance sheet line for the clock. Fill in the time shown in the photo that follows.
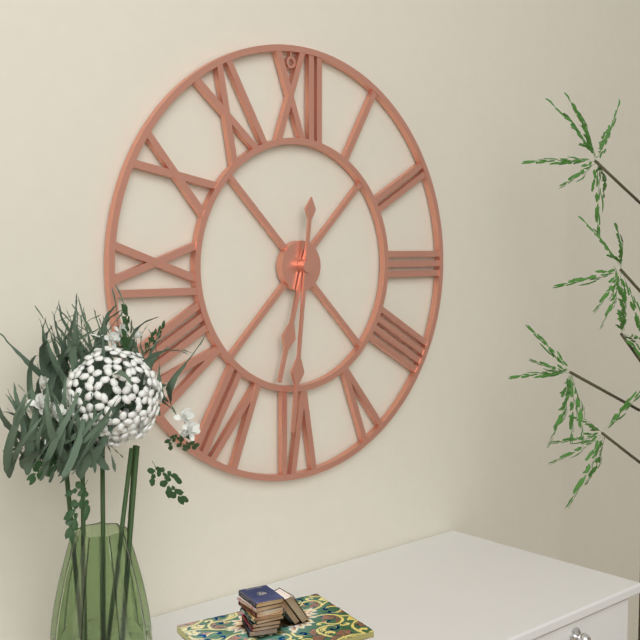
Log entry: 6:31
